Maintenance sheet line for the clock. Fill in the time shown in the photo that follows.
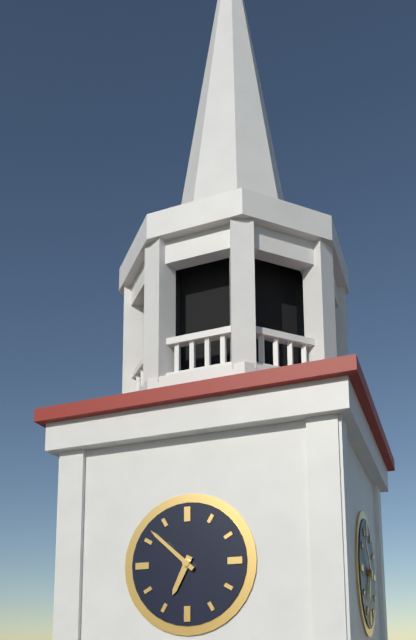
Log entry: 6:52
